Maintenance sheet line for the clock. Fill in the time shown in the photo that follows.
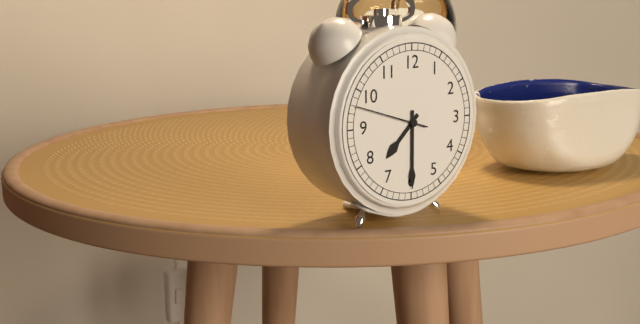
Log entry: 7:30:48
